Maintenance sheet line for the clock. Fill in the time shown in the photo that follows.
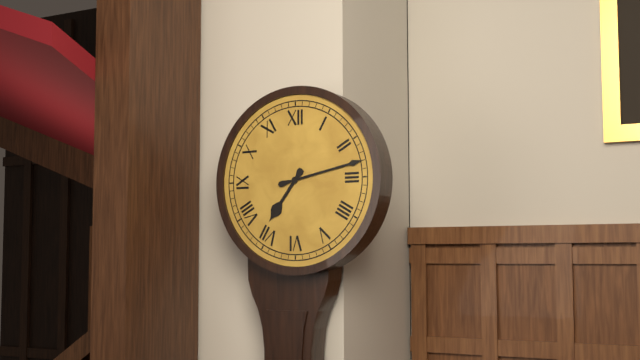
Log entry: 7:13
